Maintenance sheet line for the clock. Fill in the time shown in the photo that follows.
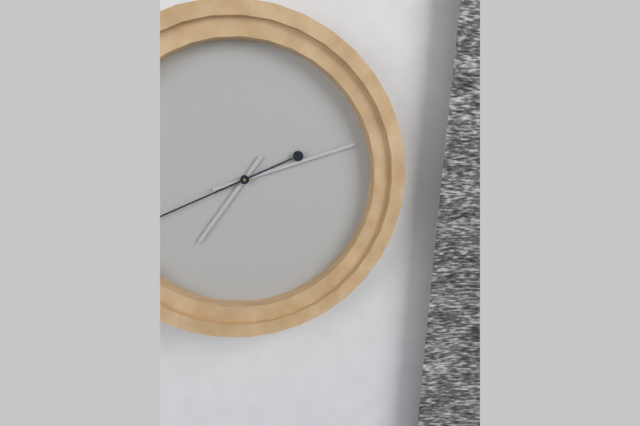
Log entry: 7:12:41
